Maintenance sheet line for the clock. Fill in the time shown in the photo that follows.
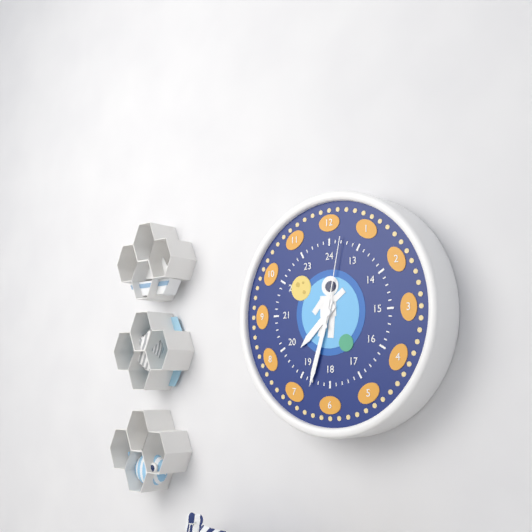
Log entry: 7:33:02
